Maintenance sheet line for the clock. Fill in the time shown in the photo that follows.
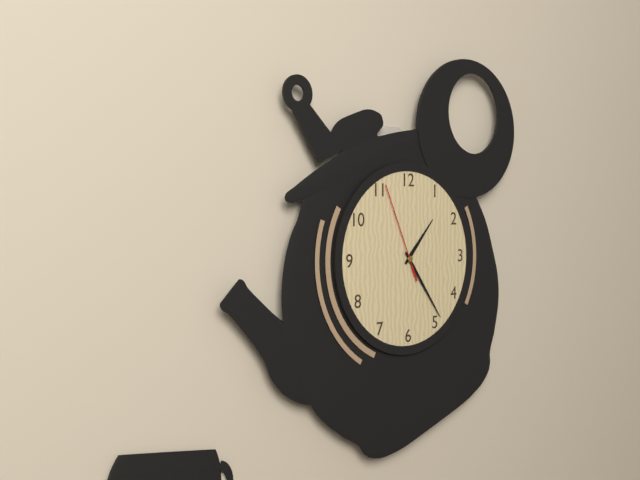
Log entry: 1:24:56
